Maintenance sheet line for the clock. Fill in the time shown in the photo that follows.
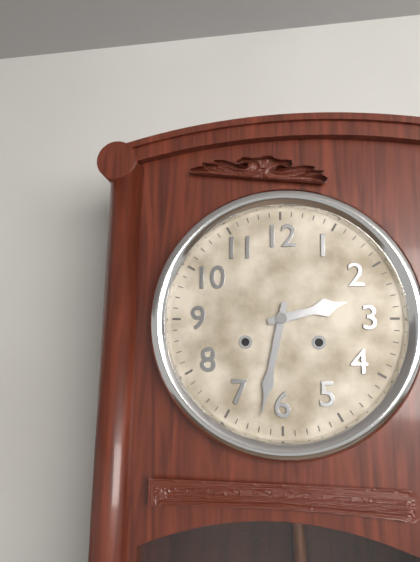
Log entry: 2:32
